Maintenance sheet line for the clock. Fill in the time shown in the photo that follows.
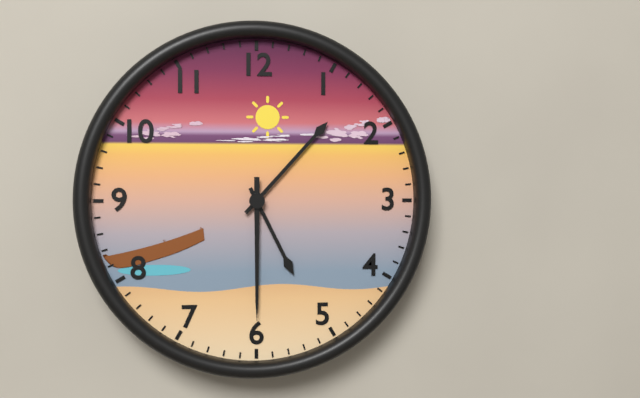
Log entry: 5:07:30
